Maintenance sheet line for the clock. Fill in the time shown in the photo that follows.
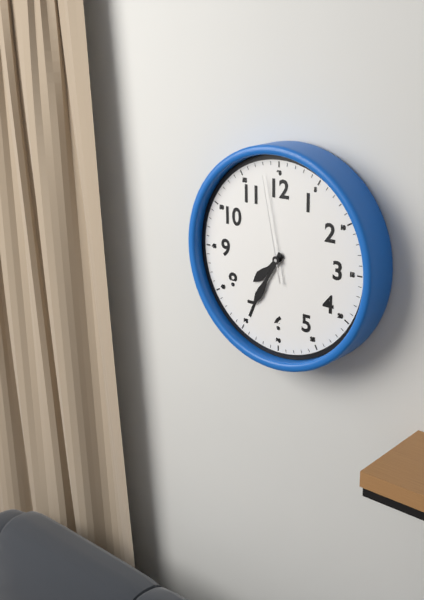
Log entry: 7:35:58
